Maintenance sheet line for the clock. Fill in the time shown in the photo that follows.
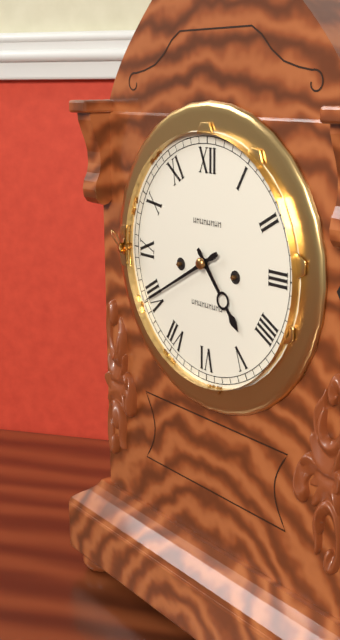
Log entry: 4:40
